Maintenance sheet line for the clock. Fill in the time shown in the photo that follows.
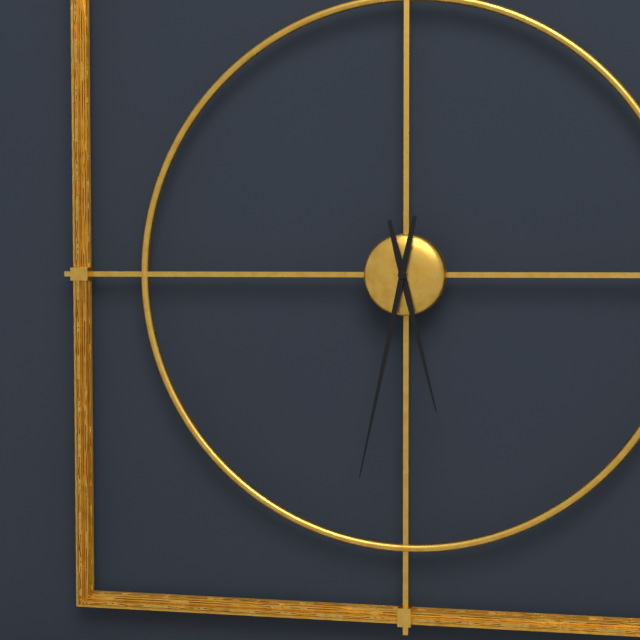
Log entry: 5:32
